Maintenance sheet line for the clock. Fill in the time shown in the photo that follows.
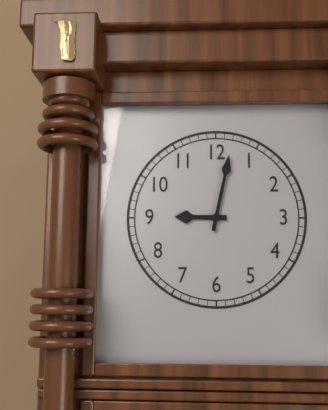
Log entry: 9:02
